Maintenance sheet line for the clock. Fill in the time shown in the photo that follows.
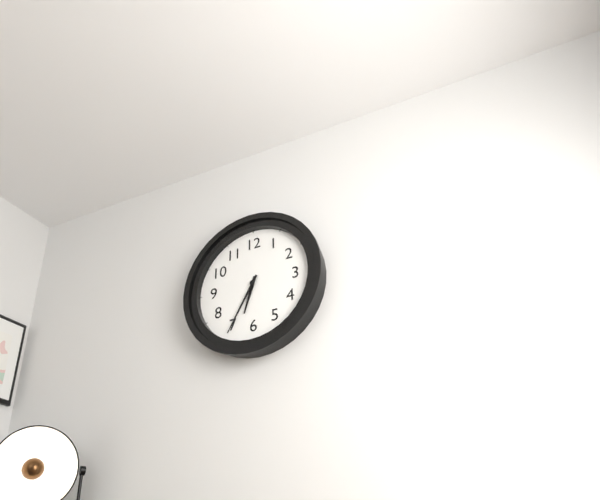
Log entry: 6:35
